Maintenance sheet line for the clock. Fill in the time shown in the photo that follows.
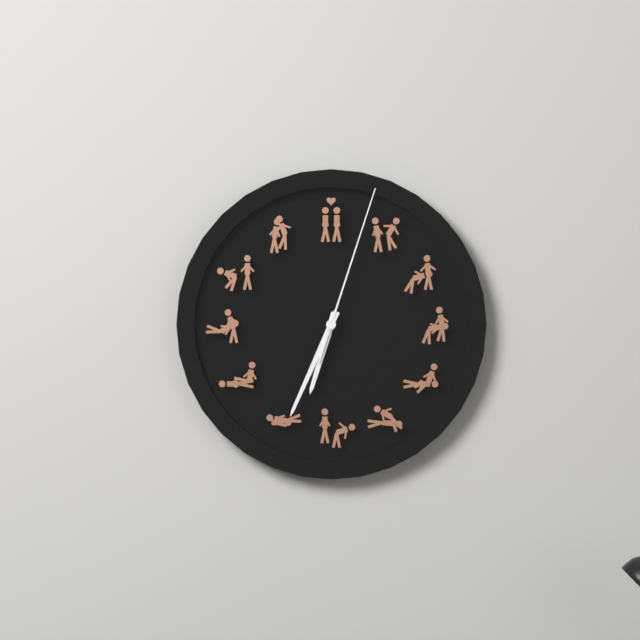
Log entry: 6:34:03
